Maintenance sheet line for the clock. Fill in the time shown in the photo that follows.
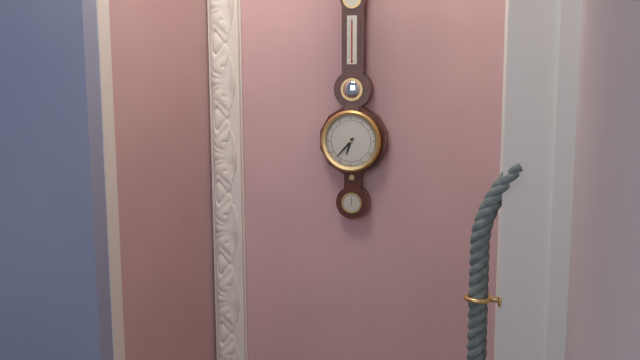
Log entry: 6:37
